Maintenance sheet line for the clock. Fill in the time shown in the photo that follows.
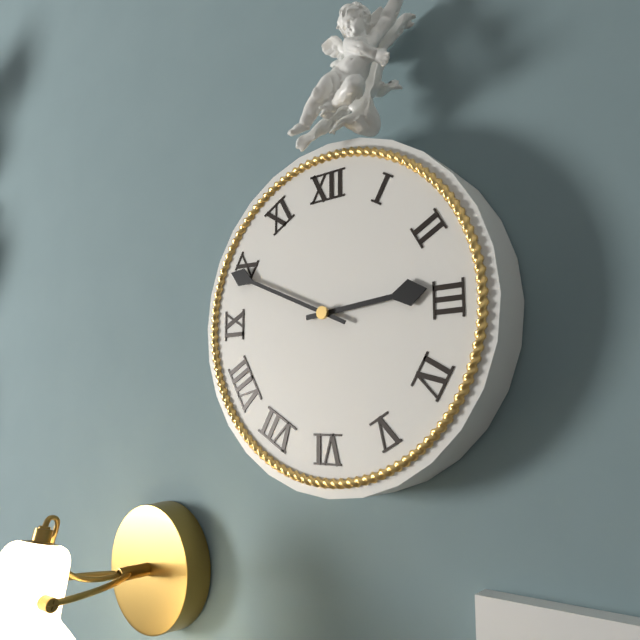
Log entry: 2:49
